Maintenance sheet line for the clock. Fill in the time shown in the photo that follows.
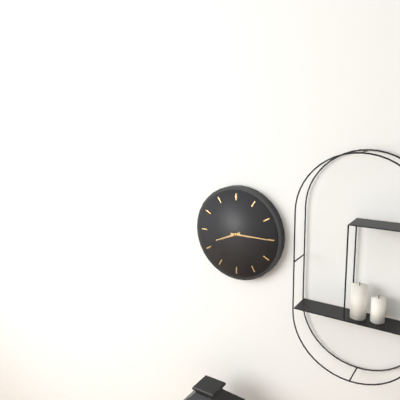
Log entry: 8:15
